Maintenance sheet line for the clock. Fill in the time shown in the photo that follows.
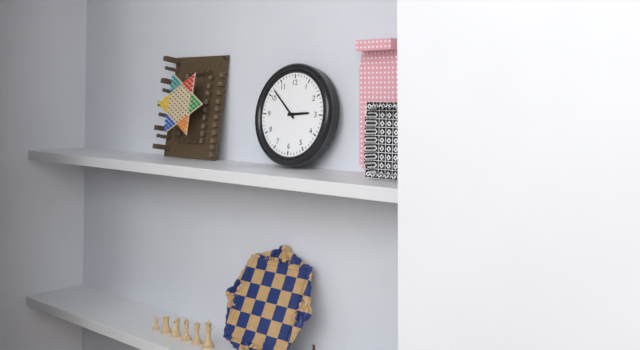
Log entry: 2:52
